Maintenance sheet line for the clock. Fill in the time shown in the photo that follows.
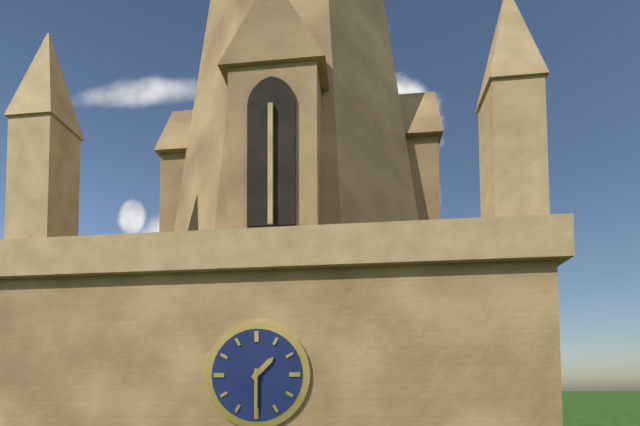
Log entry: 1:30
